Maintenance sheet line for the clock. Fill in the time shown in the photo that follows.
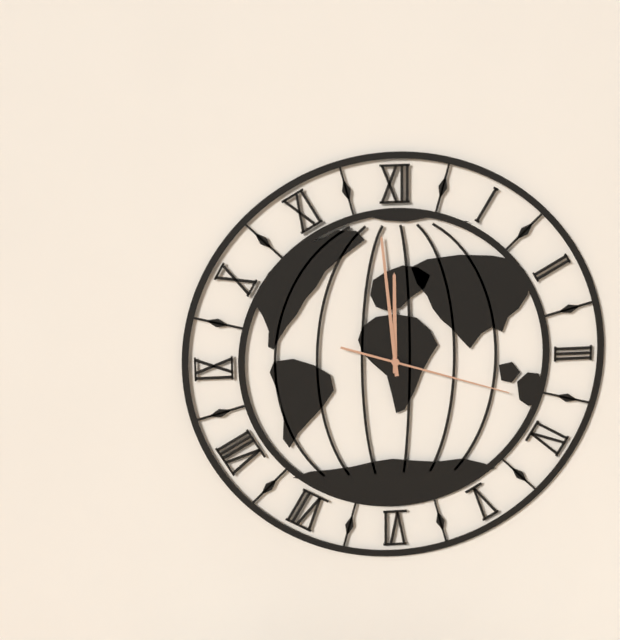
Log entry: 11:59:18
